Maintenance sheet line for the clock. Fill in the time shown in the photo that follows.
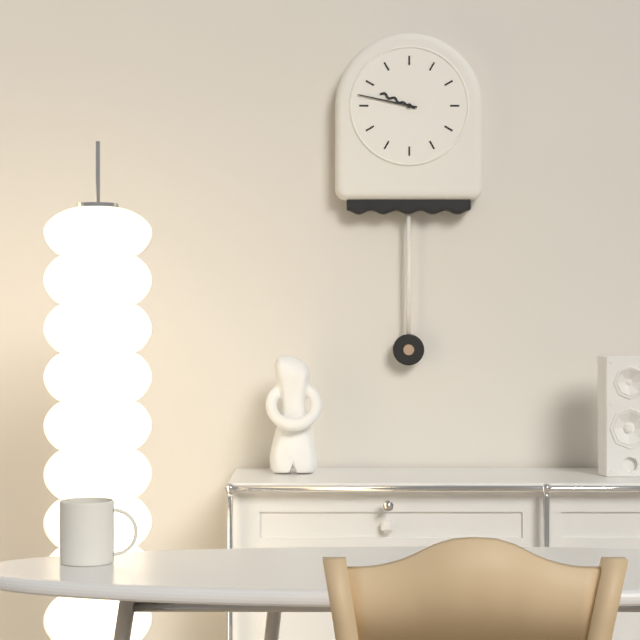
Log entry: 9:47
